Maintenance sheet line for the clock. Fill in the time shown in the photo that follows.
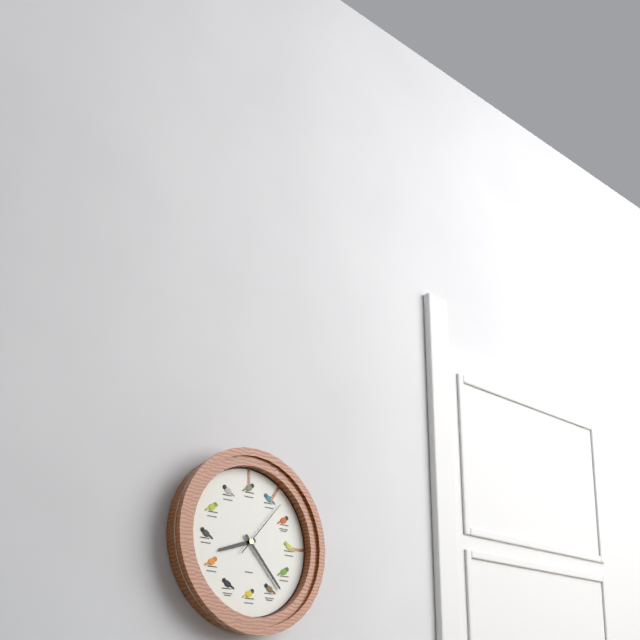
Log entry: 8:23:07
